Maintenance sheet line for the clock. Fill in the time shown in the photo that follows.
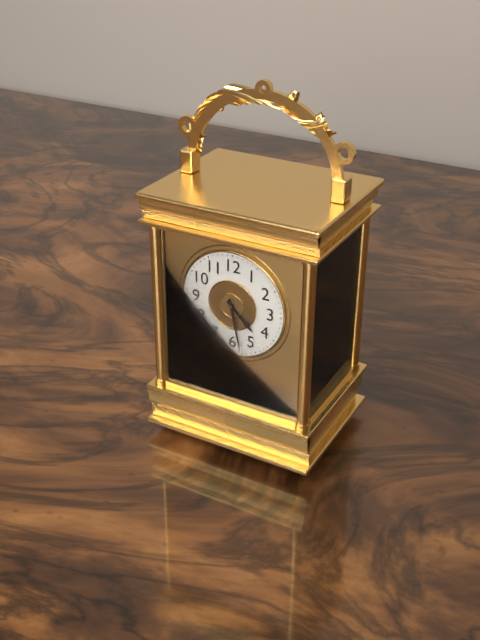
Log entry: 4:28
